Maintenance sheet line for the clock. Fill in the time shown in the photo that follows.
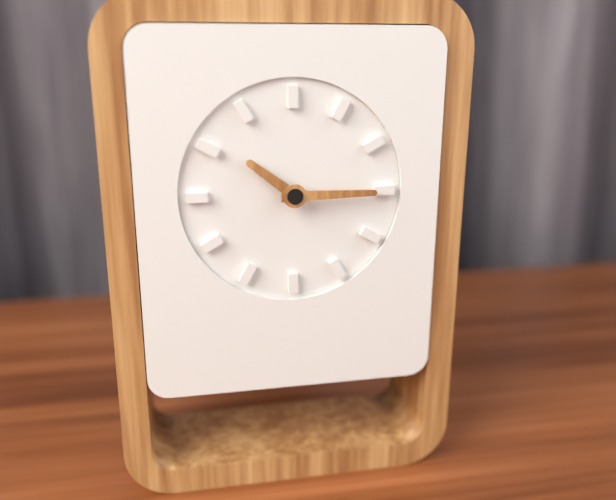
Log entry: 10:15
